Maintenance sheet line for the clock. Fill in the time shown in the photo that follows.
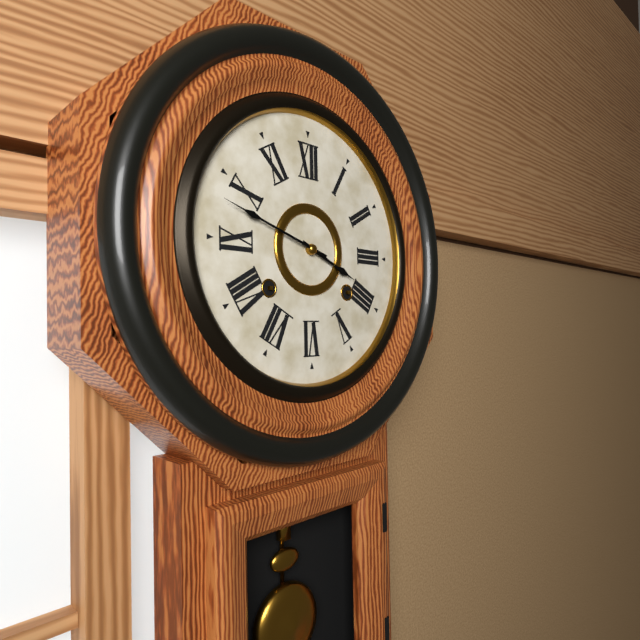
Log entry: 3:48
